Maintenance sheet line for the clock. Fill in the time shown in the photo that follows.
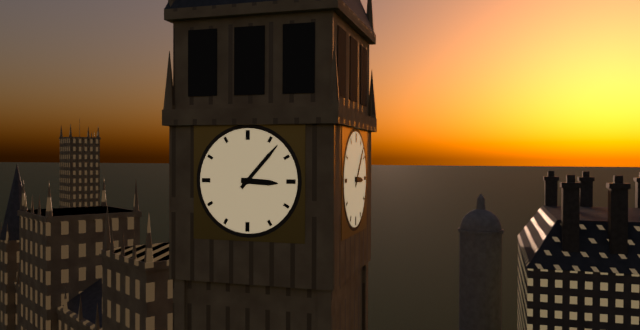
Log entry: 3:07
